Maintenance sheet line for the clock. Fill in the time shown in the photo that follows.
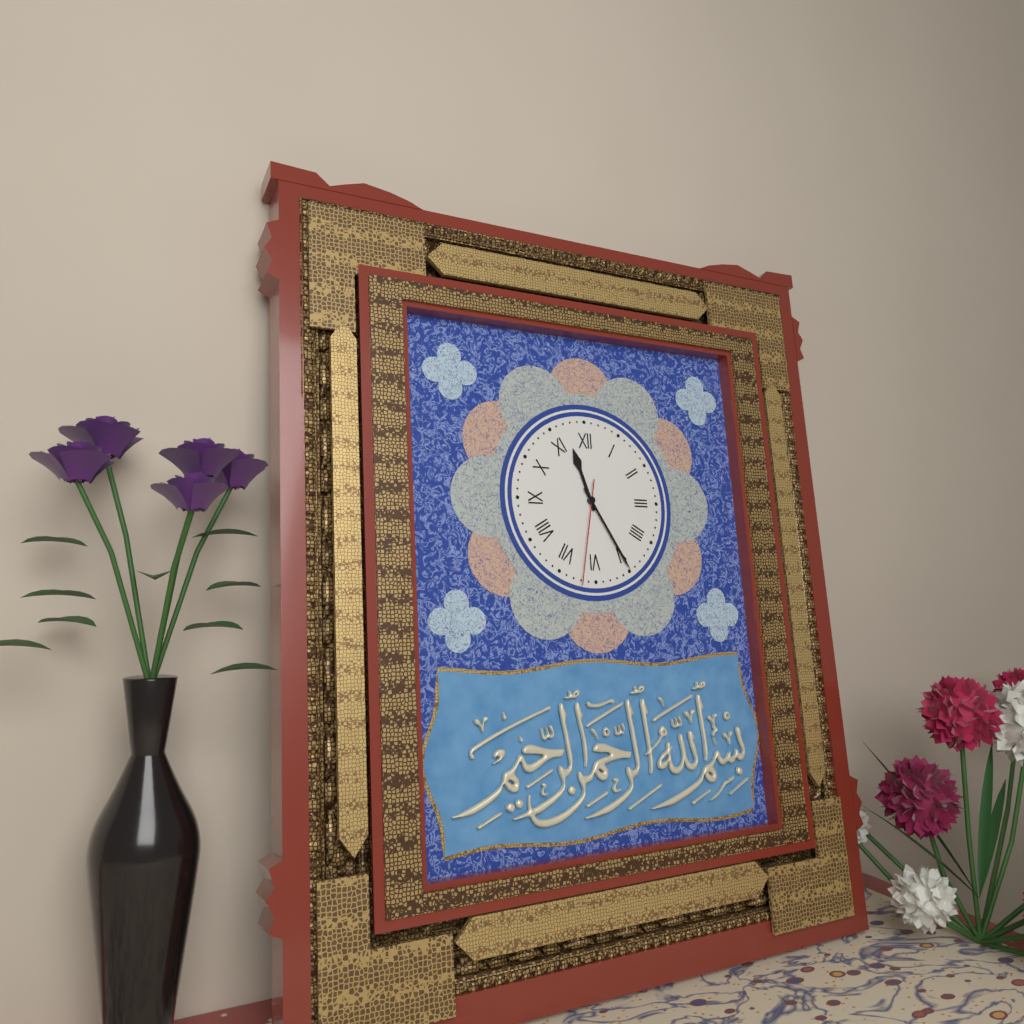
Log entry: 11:25:32
